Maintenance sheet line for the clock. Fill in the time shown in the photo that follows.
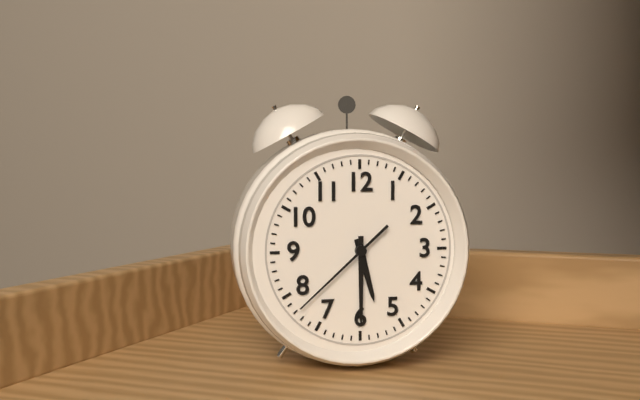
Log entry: 5:30:38
